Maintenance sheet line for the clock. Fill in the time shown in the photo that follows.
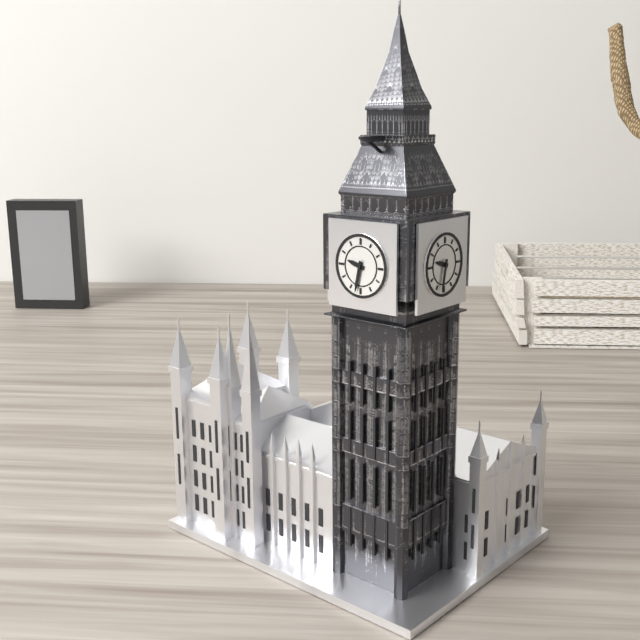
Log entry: 9:32
